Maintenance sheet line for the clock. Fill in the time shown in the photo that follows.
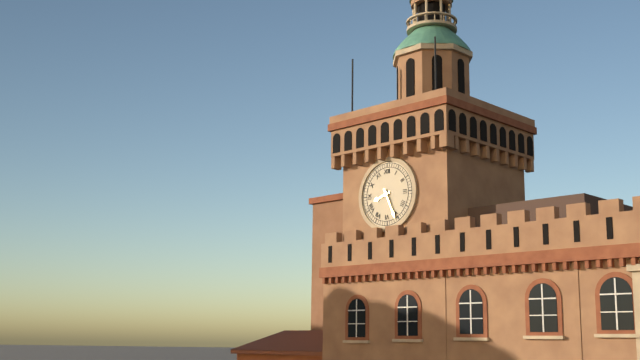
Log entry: 8:26
